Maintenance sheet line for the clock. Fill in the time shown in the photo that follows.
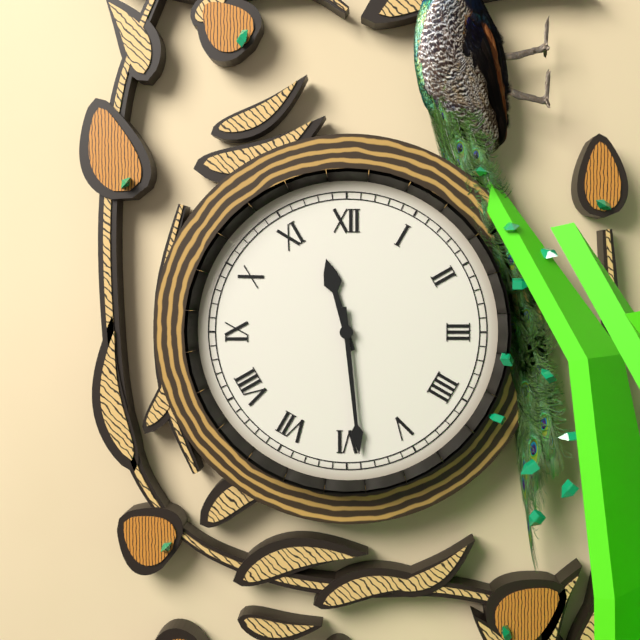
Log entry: 11:29
